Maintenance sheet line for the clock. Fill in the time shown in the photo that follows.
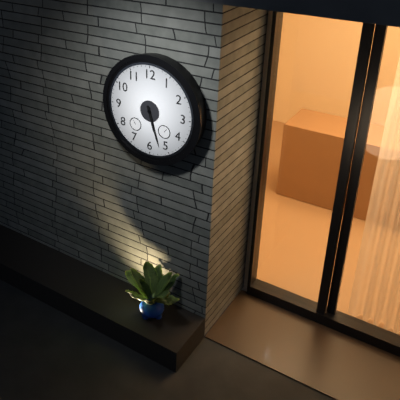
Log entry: 5:27
